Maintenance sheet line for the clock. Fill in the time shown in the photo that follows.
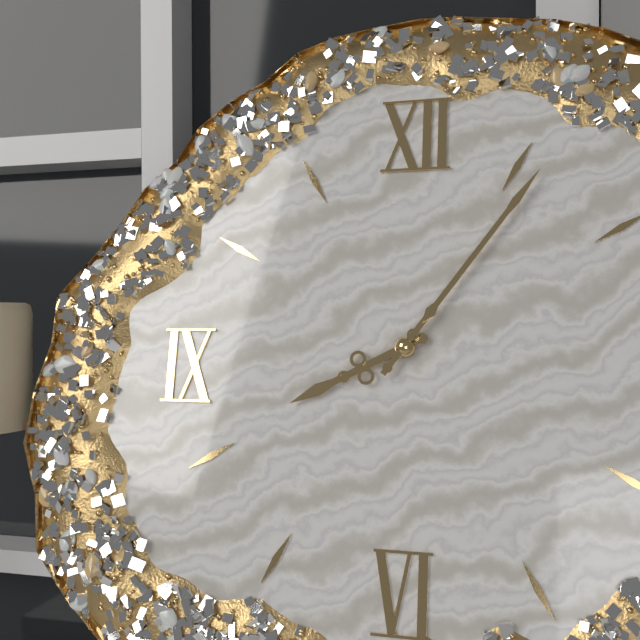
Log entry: 8:06
